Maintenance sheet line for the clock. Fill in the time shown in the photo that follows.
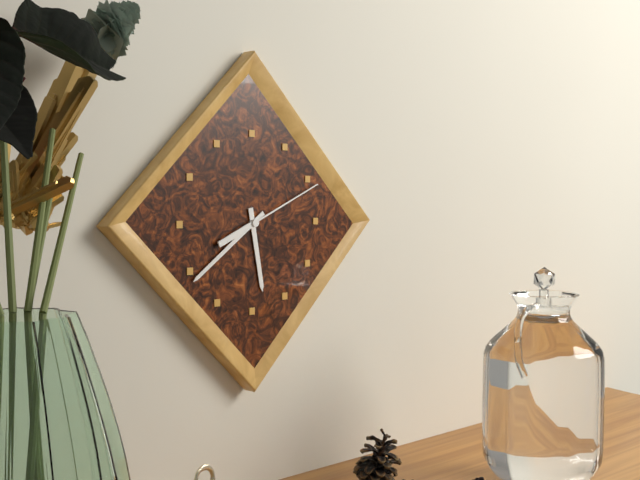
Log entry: 5:39:11
